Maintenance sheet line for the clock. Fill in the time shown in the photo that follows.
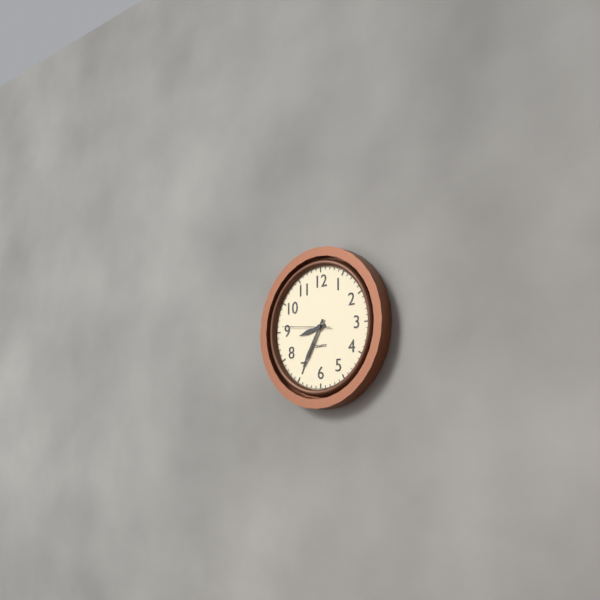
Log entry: 8:35
